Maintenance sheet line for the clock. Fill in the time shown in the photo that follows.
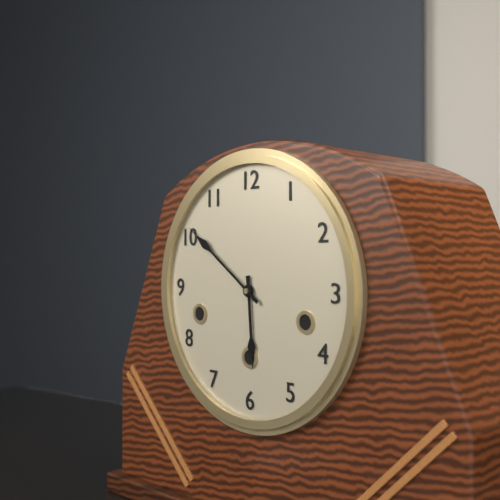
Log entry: 5:51
